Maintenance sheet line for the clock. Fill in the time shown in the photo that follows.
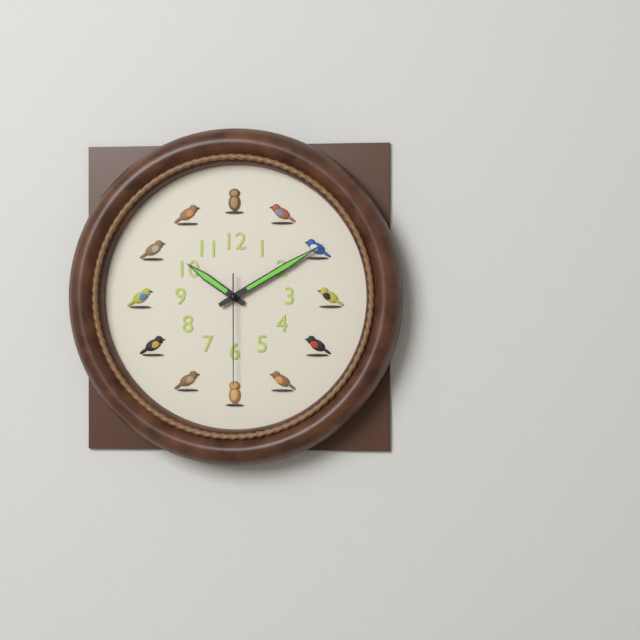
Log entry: 10:10:30
